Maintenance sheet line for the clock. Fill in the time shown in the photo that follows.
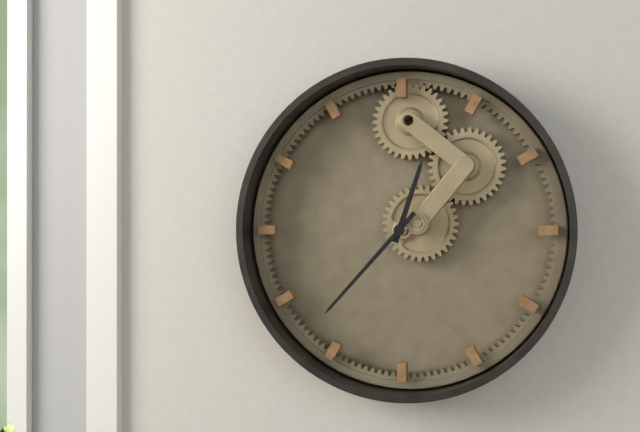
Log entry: 12:37
